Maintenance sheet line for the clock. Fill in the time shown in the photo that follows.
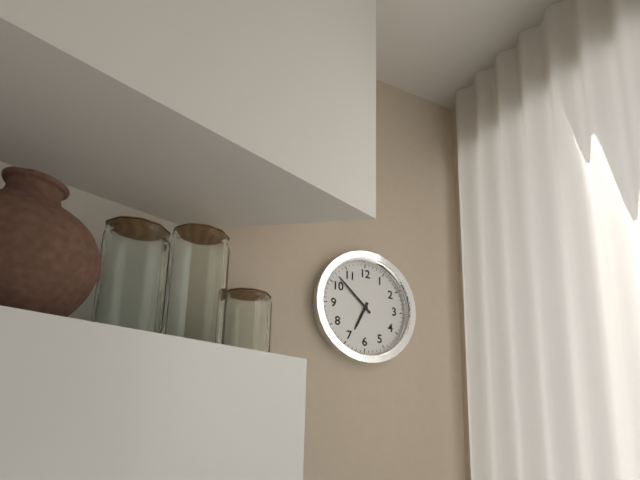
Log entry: 6:52
